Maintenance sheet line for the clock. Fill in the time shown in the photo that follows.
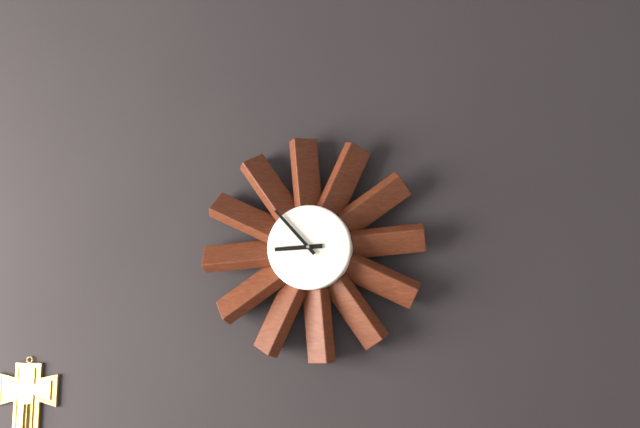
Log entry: 8:53
